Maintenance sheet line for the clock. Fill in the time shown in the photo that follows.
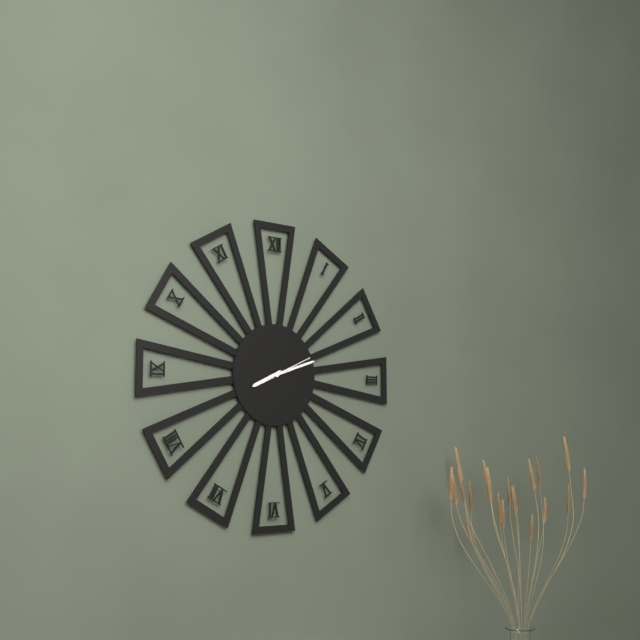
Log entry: 8:12
